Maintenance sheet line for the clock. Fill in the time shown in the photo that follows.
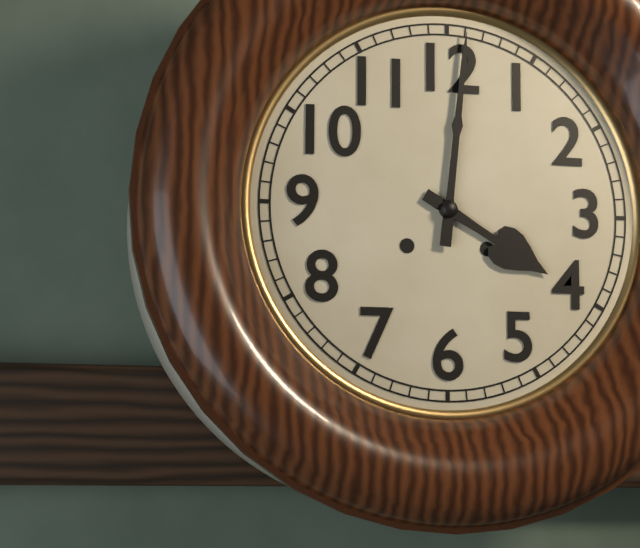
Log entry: 4:01
